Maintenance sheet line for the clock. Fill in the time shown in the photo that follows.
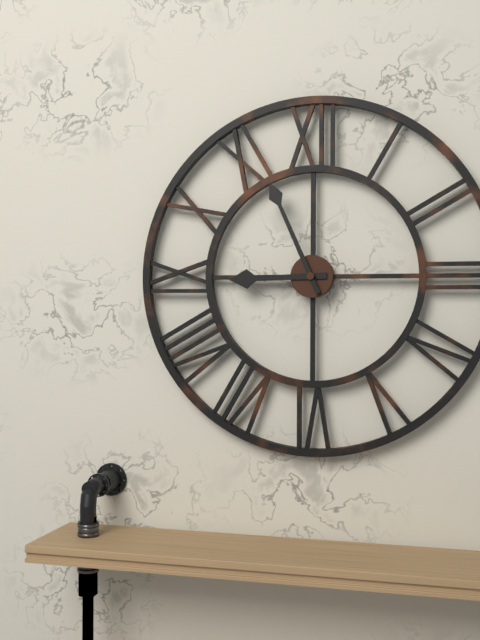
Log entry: 8:56
